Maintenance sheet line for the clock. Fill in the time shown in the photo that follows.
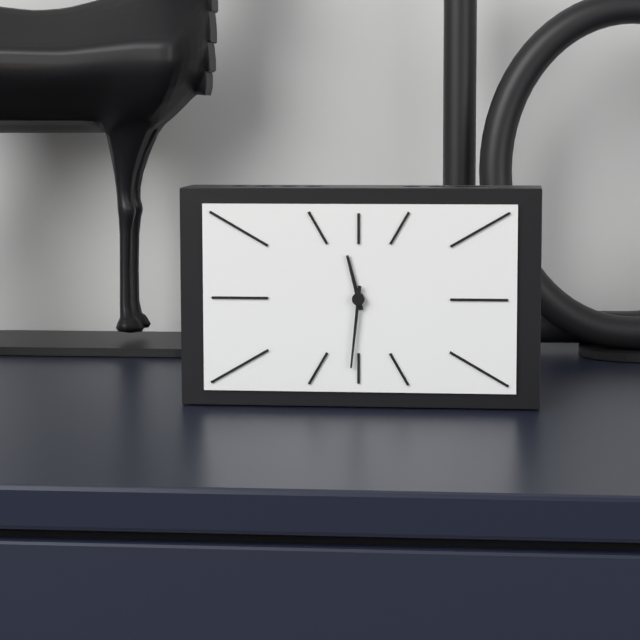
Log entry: 11:31
